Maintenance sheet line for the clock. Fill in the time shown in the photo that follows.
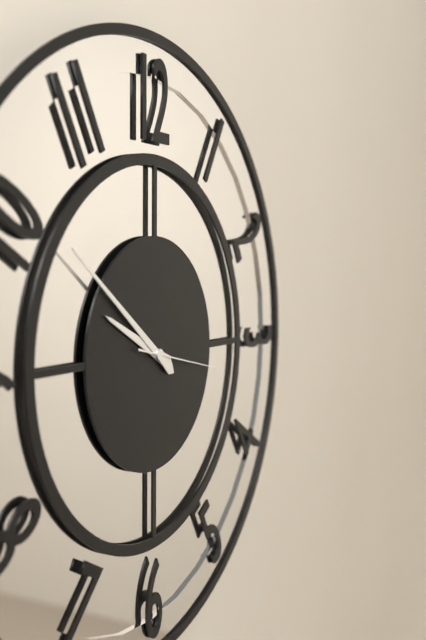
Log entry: 9:51:17
